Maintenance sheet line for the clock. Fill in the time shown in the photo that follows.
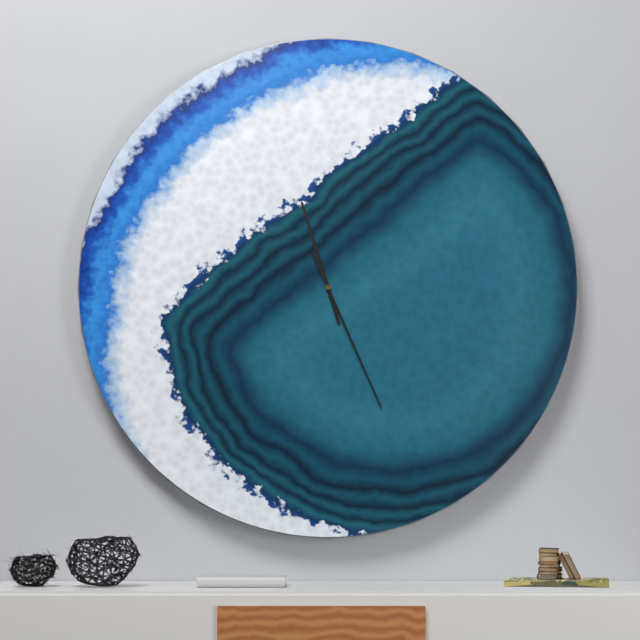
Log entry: 11:26
